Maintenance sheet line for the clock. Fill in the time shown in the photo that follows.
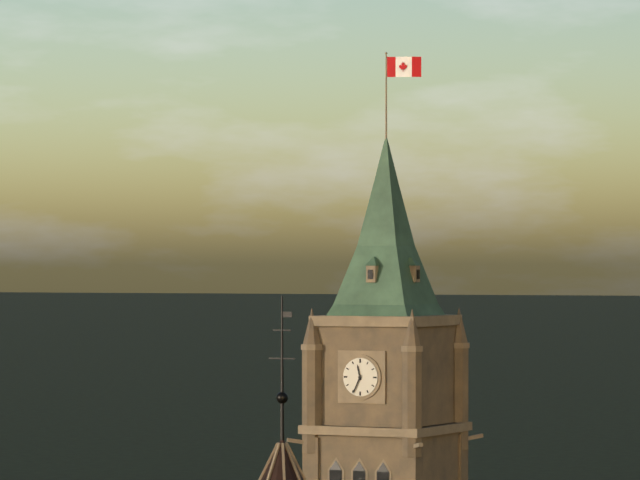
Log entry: 11:34
